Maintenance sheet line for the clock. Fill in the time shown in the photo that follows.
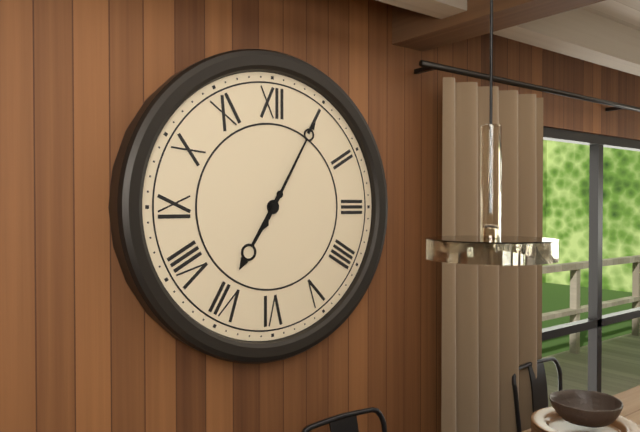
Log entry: 7:05
